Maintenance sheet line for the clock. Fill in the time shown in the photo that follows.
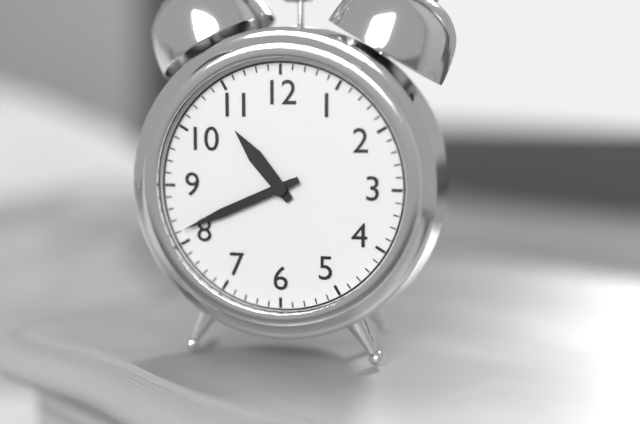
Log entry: 10:41
